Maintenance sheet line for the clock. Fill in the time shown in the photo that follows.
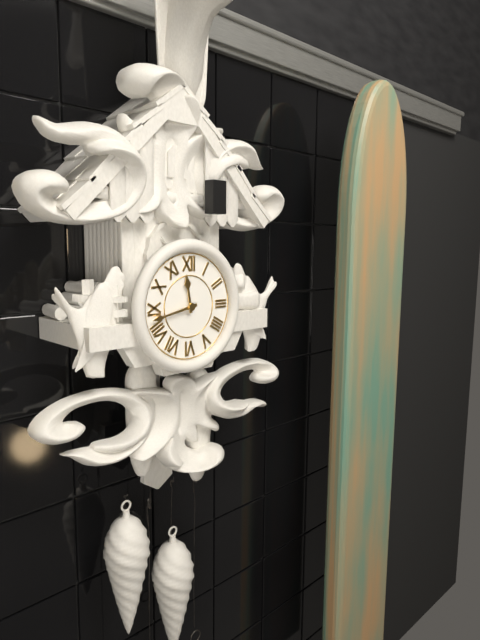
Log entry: 11:43
